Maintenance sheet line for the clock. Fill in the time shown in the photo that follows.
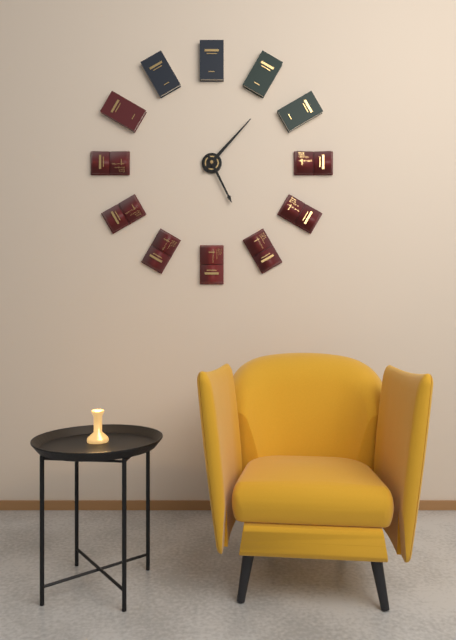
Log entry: 5:07
